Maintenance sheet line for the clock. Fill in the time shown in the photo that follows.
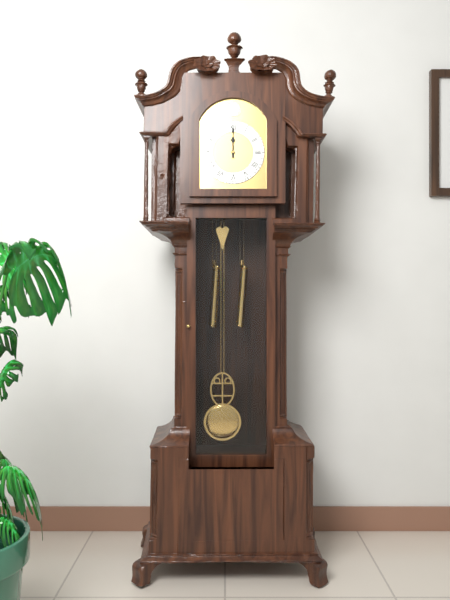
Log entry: 12:00
